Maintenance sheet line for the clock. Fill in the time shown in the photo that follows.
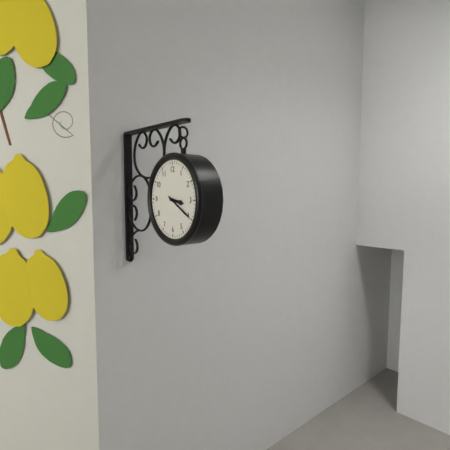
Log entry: 3:20
